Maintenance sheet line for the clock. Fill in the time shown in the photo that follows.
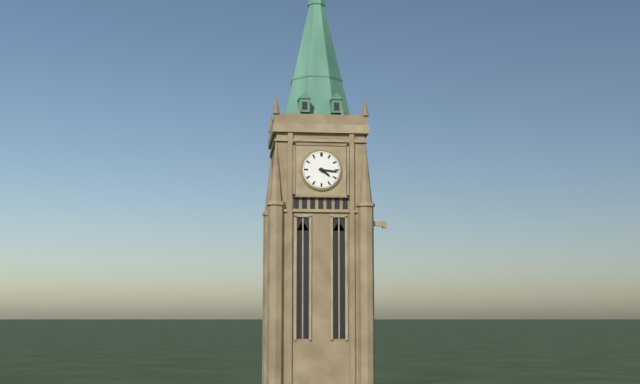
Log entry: 4:16
